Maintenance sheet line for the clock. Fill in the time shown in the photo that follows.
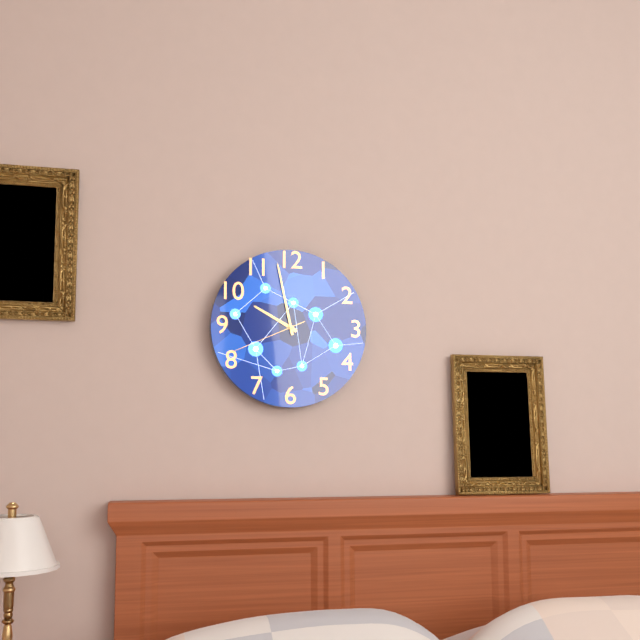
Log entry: 9:58:41
